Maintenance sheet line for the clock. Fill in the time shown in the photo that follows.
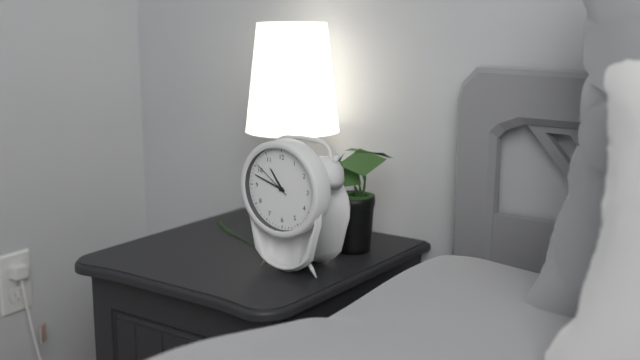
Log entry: 10:48
